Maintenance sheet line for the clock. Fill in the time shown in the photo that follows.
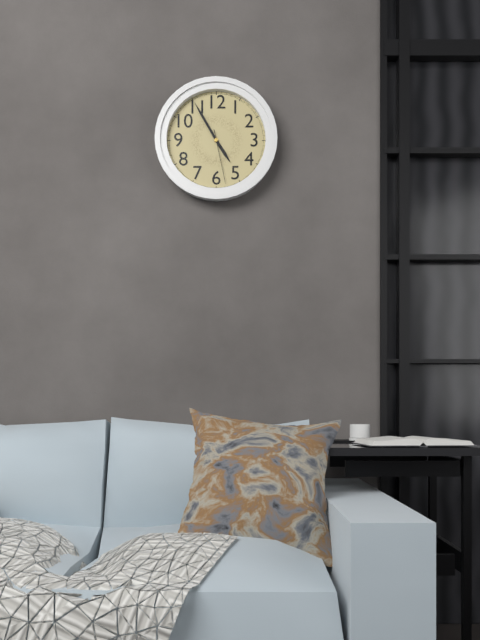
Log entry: 4:55:28
